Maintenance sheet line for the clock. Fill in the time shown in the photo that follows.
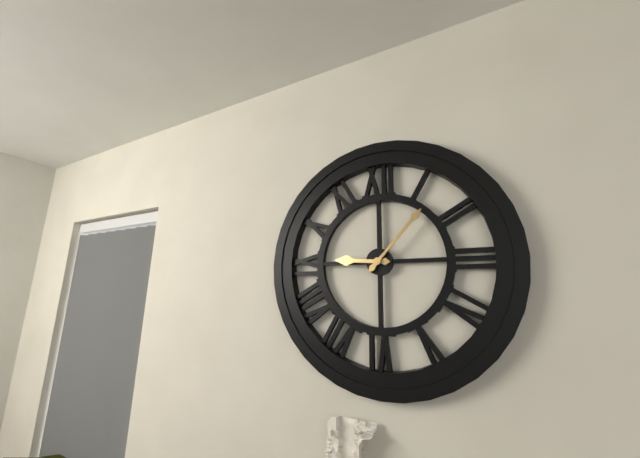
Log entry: 9:07
